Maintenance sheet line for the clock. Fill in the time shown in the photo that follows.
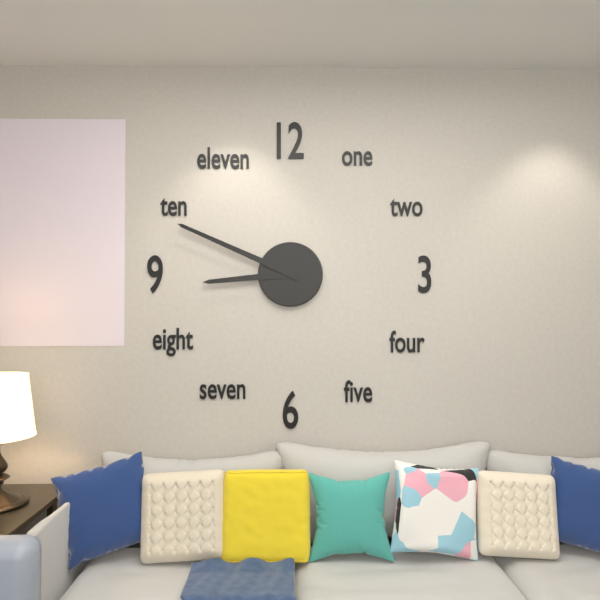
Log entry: 8:49
